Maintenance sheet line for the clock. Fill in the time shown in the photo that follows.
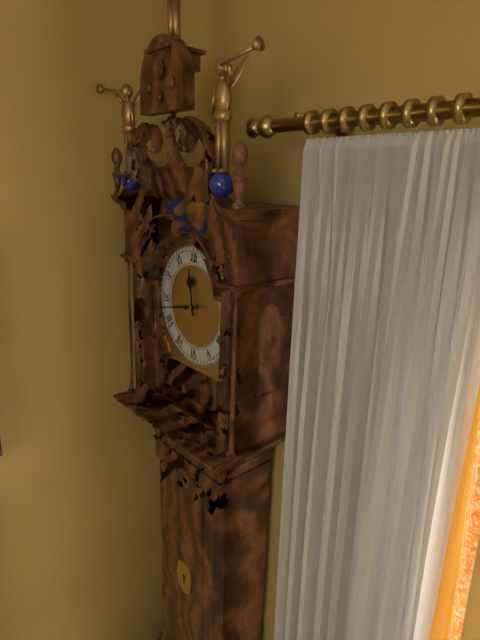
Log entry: 11:43
